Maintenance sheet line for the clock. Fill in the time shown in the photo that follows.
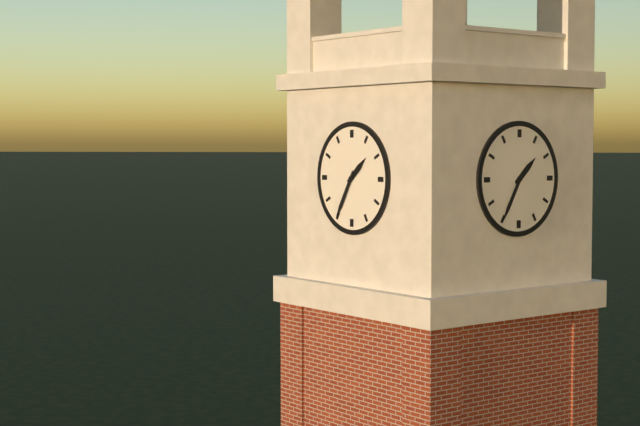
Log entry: 1:35
